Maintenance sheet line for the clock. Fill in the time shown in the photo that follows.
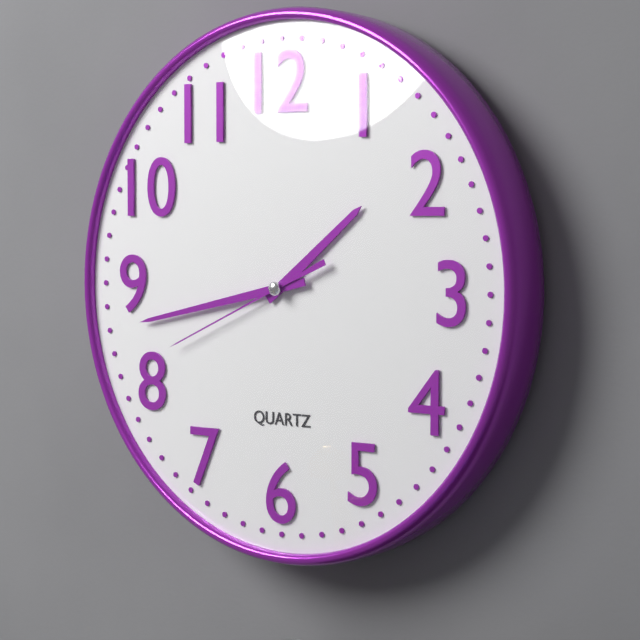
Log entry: 1:43:41
